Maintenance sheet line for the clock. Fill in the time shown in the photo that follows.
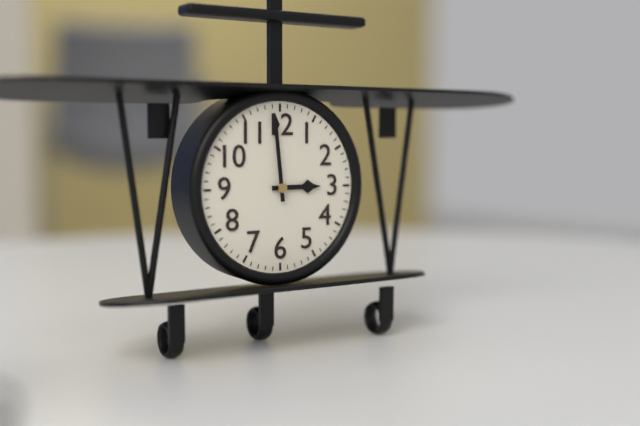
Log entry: 2:59
